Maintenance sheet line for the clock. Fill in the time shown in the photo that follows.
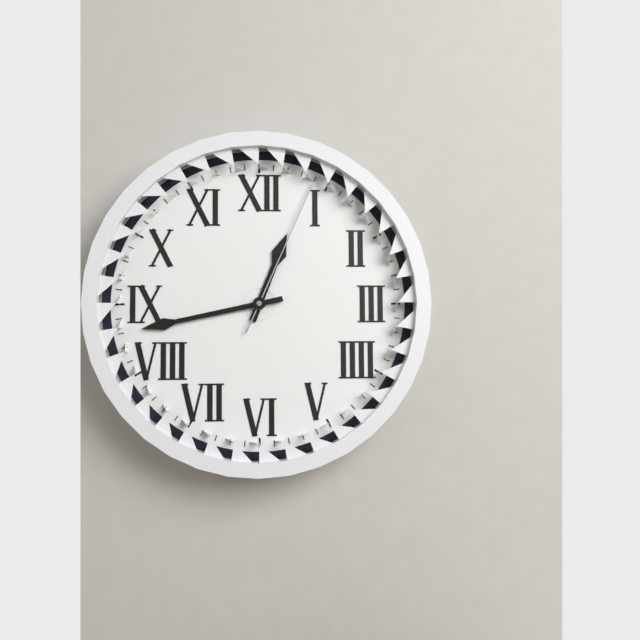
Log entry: 12:43:04
